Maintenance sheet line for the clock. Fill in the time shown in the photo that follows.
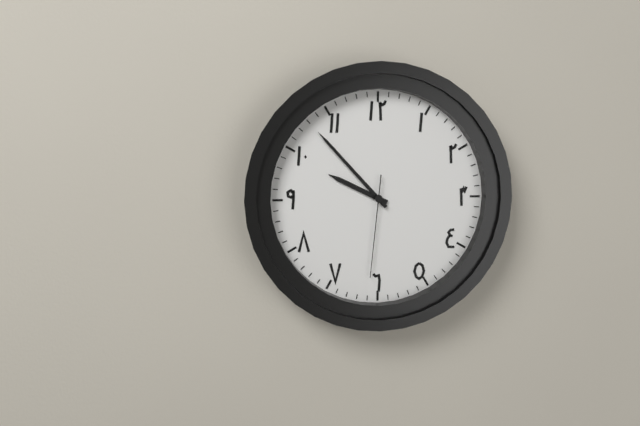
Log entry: 9:53:31
